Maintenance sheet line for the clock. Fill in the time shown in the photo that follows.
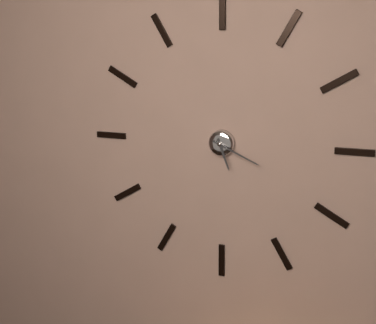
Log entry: 5:19
